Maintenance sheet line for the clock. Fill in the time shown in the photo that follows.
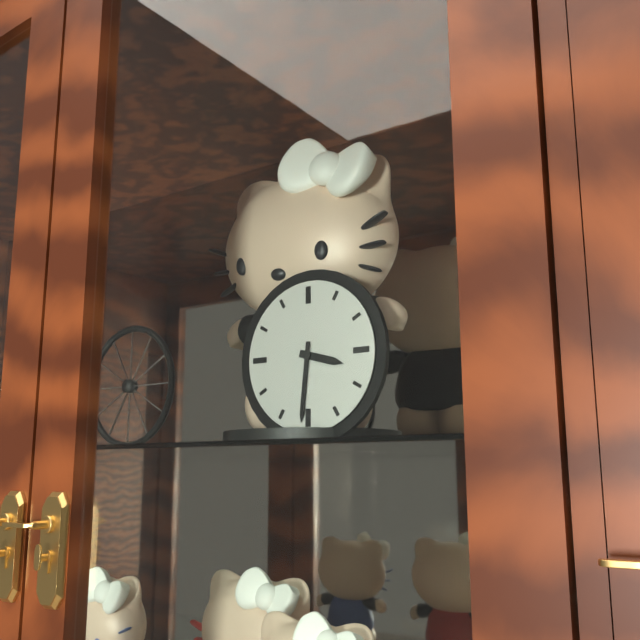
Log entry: 3:31
